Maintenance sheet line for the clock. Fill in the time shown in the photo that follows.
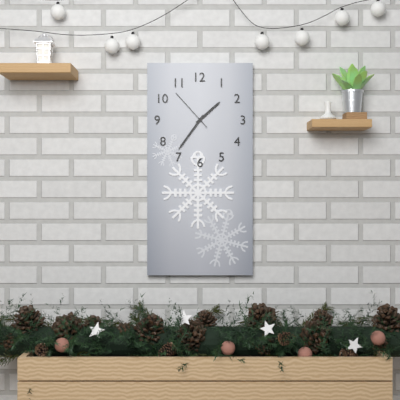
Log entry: 1:36
